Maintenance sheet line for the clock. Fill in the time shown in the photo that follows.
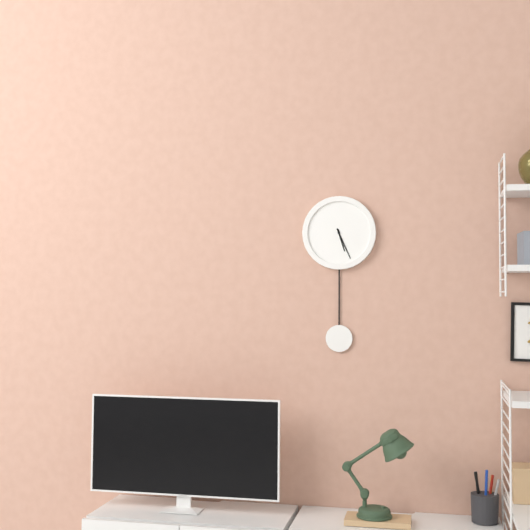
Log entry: 5:26
